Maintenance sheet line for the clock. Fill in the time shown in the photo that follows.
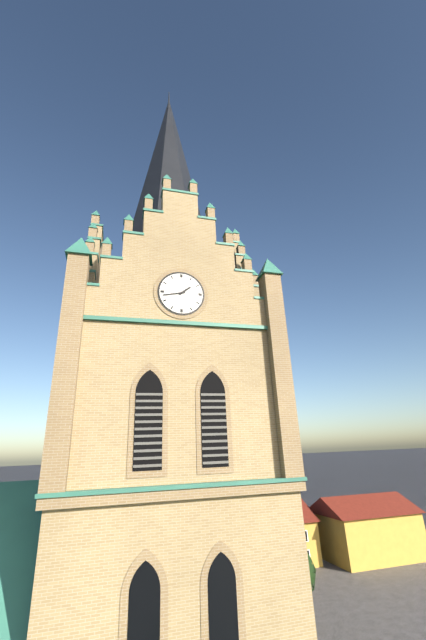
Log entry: 1:43
